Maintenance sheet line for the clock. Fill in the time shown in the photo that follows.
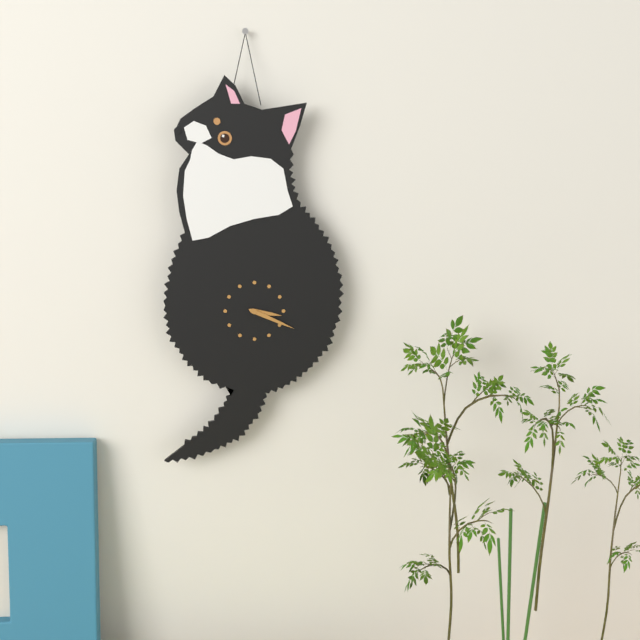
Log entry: 3:19
